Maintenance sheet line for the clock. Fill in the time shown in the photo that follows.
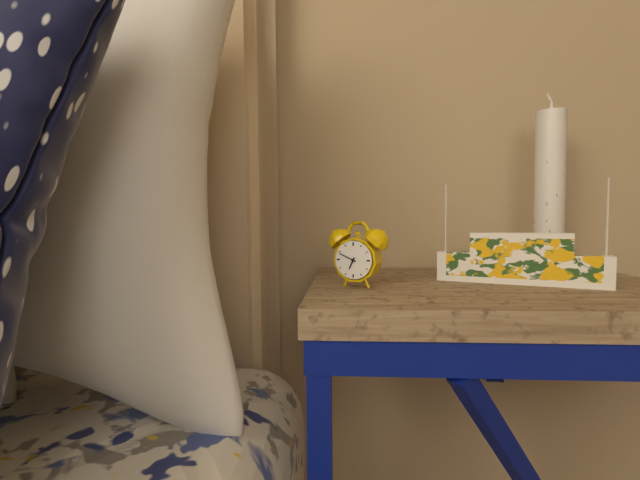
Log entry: 6:49
